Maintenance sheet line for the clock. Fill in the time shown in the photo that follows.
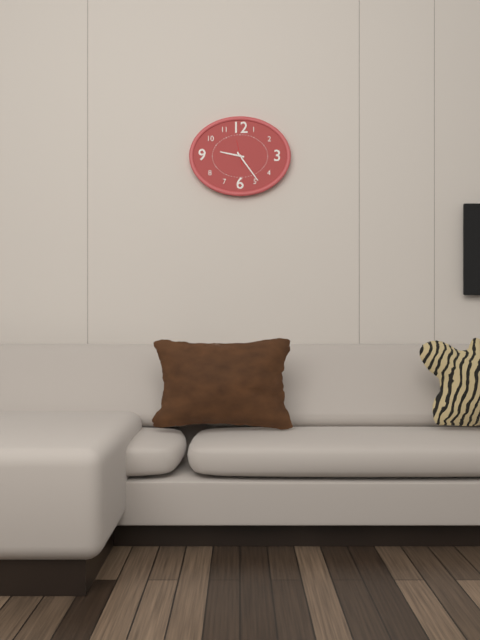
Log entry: 9:24
